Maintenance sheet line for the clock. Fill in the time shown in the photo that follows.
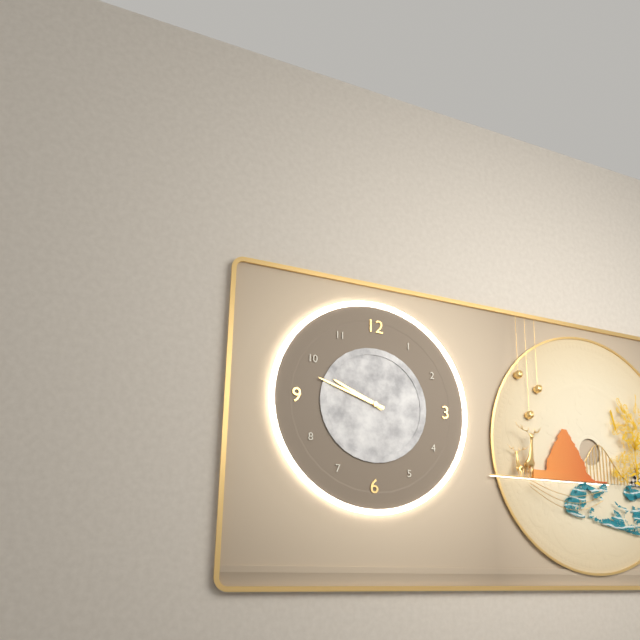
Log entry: 9:48
